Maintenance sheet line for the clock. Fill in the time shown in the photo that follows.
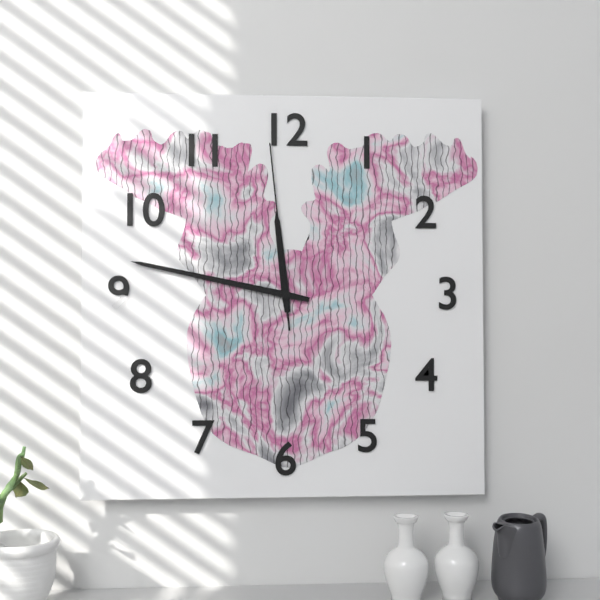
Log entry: 11:47:59
